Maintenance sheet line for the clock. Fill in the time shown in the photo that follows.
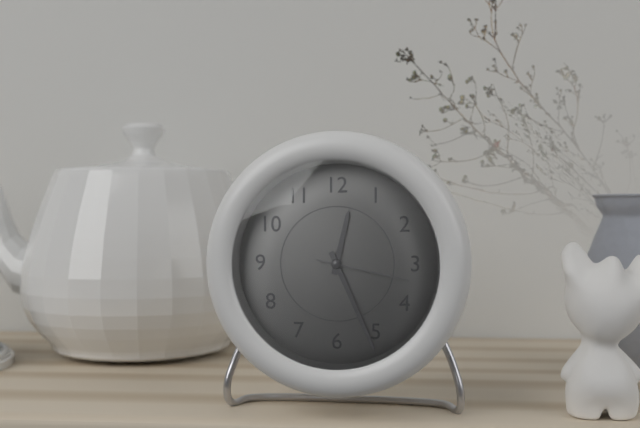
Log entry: 12:26:17
